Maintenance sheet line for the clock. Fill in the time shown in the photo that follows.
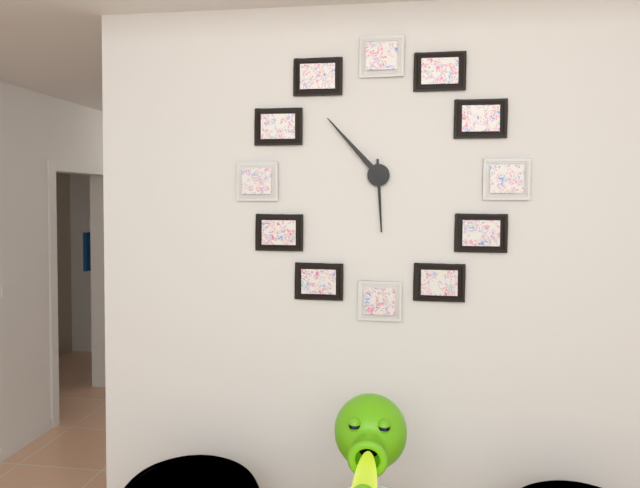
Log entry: 5:53
